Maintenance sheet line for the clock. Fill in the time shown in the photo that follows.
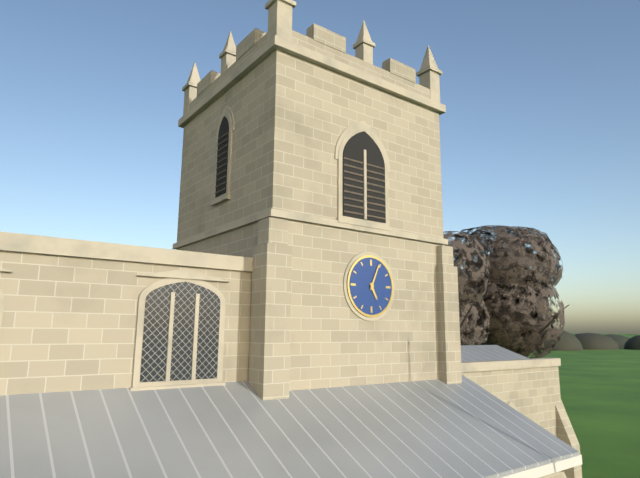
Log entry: 5:04
